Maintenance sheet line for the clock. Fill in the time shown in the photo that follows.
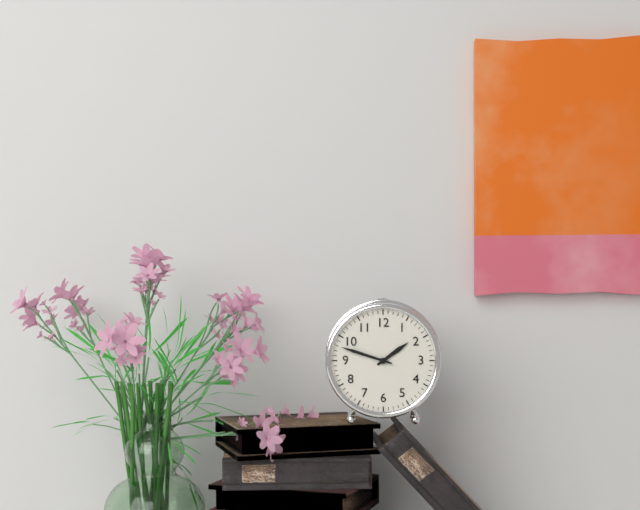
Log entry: 1:48
